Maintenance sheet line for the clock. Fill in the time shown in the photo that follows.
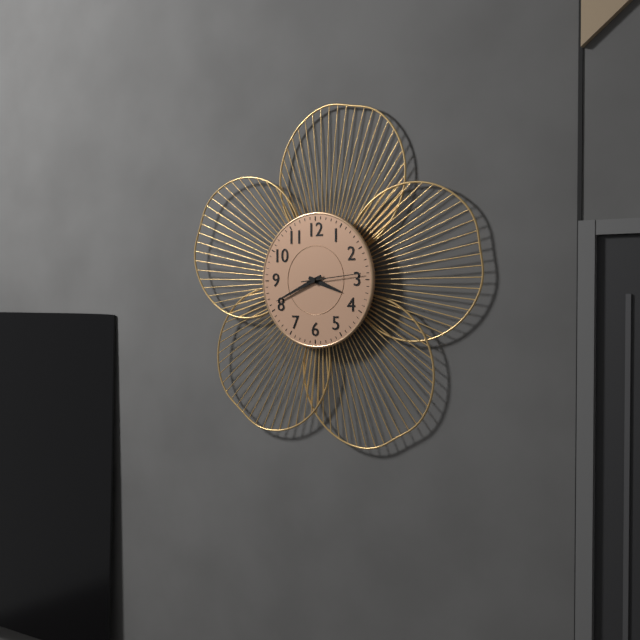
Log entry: 3:41:14
